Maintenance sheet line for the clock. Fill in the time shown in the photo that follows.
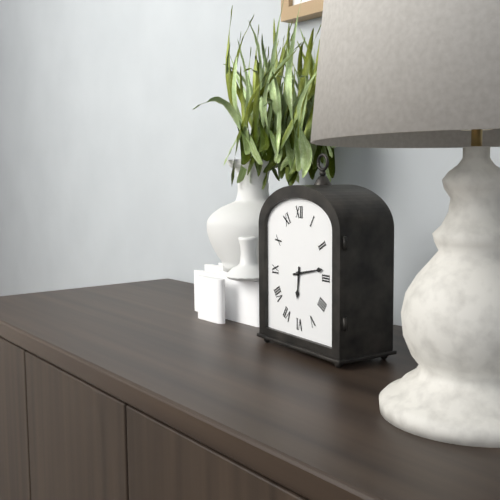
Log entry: 6:13
